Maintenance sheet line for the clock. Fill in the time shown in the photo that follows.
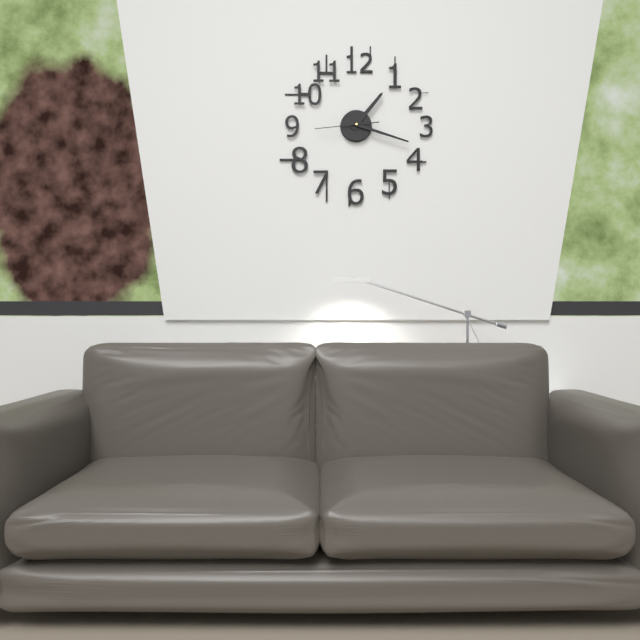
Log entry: 1:18:44
